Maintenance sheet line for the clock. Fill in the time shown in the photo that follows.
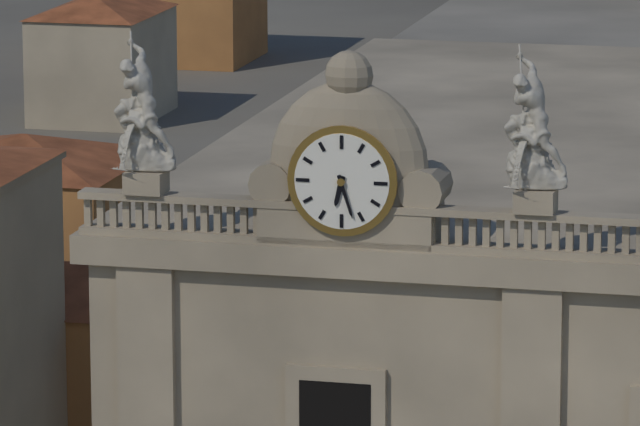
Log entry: 6:27
